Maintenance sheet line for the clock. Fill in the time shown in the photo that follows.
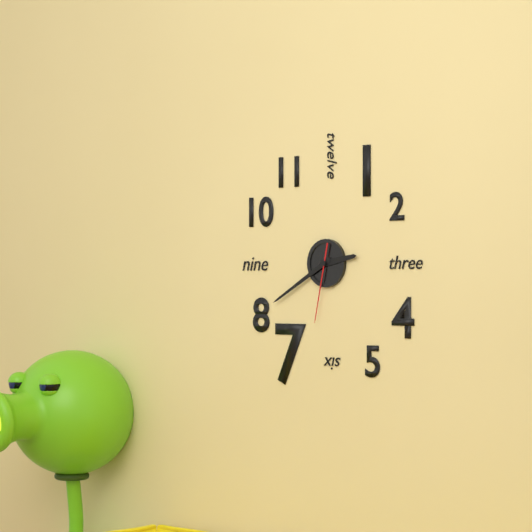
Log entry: 2:40:32
